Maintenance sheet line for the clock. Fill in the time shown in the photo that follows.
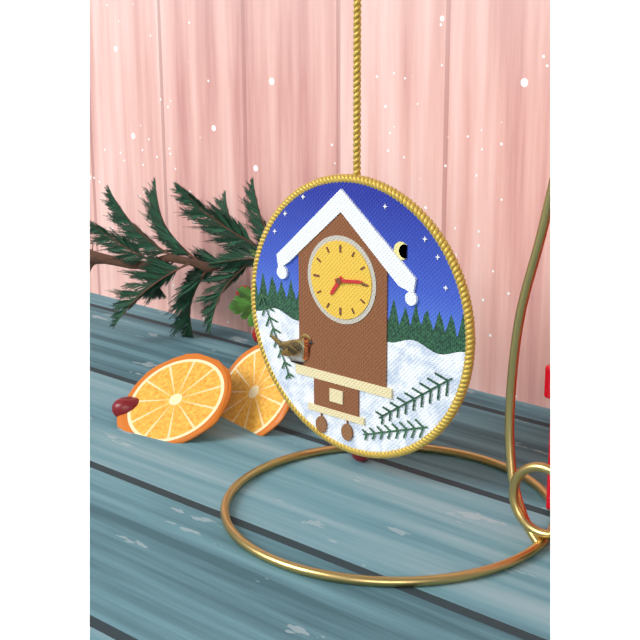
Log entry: 7:14
